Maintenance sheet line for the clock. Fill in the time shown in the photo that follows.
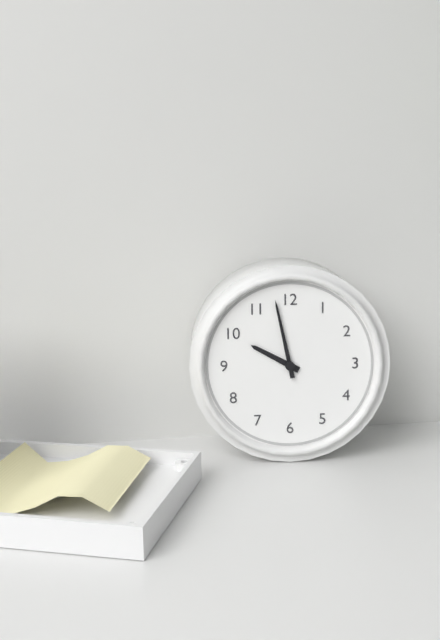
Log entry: 9:58
